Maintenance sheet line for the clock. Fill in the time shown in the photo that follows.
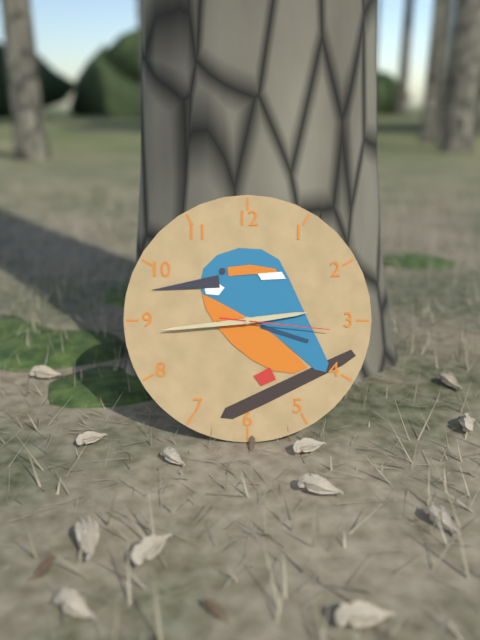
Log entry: 2:44:16
